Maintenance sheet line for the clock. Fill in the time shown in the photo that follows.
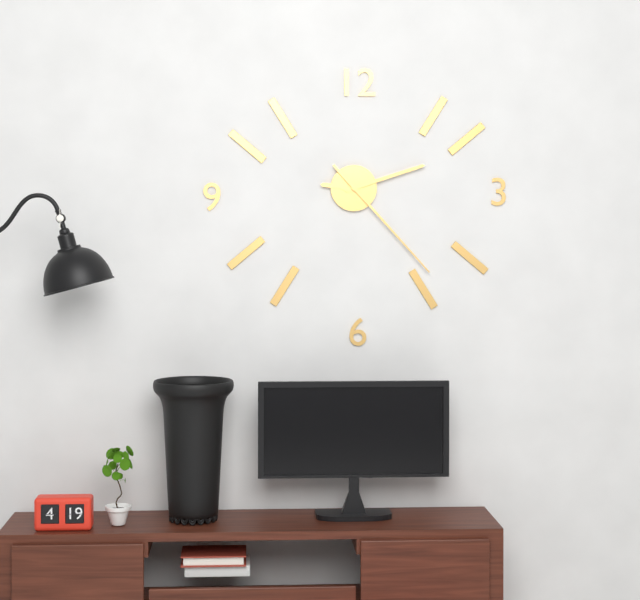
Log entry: 9:12:23
